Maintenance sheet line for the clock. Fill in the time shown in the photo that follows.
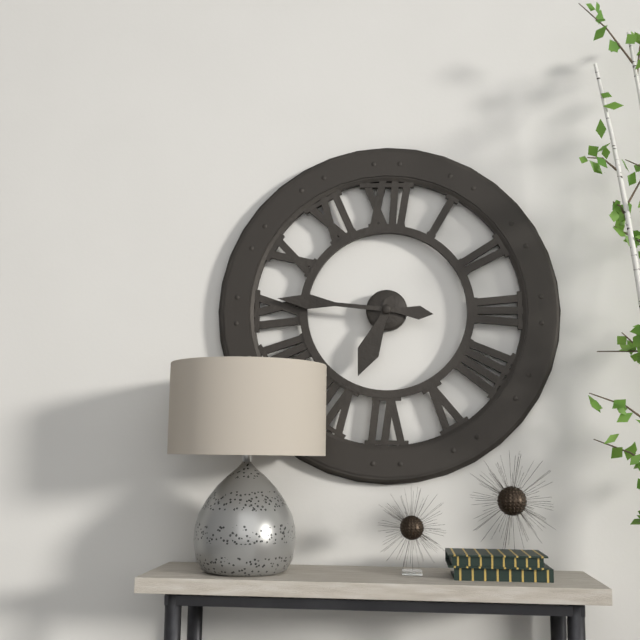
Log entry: 6:46
